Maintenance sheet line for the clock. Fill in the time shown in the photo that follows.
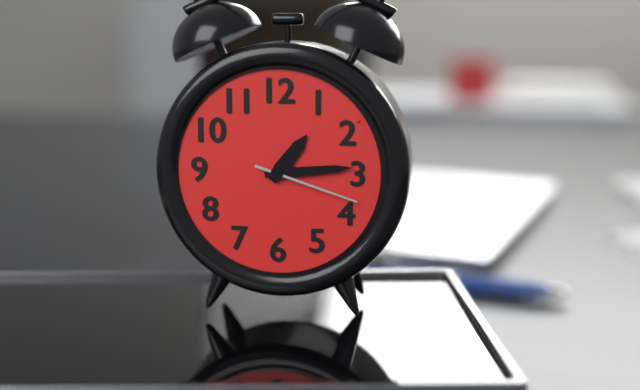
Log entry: 1:14:18
